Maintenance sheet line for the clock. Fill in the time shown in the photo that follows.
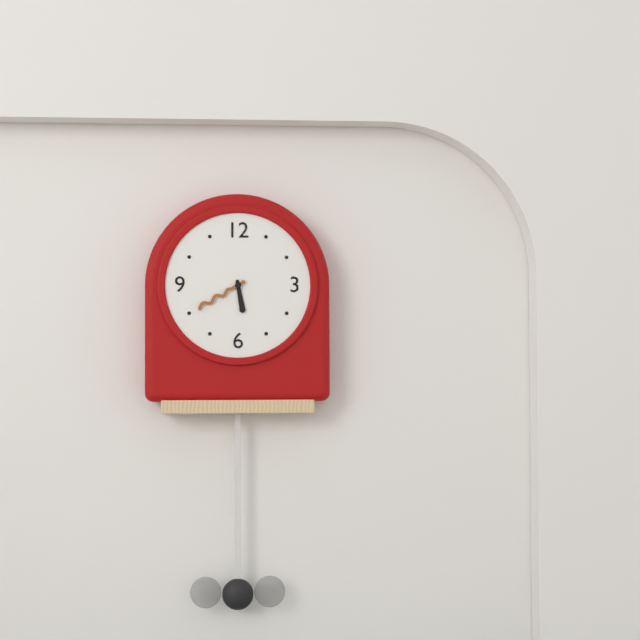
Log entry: 5:40
